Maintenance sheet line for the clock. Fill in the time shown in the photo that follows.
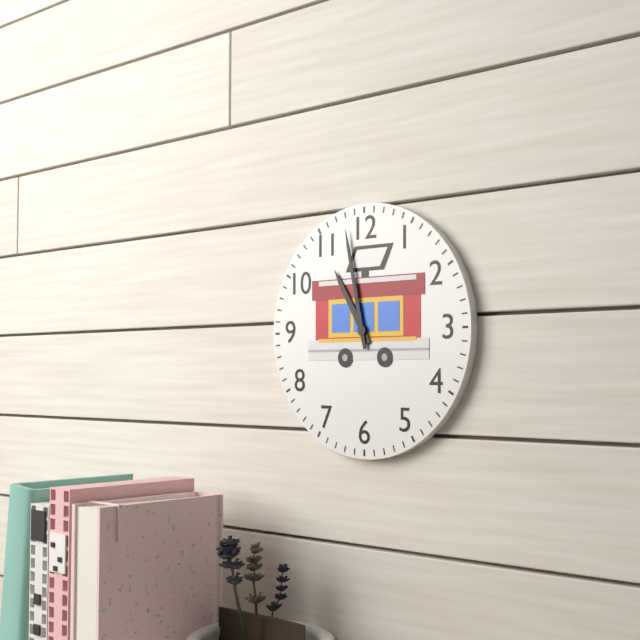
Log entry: 10:58
